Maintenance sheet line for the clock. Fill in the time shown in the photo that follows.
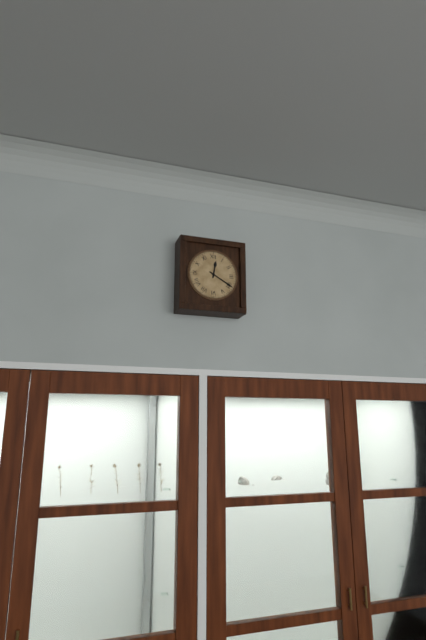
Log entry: 12:20
